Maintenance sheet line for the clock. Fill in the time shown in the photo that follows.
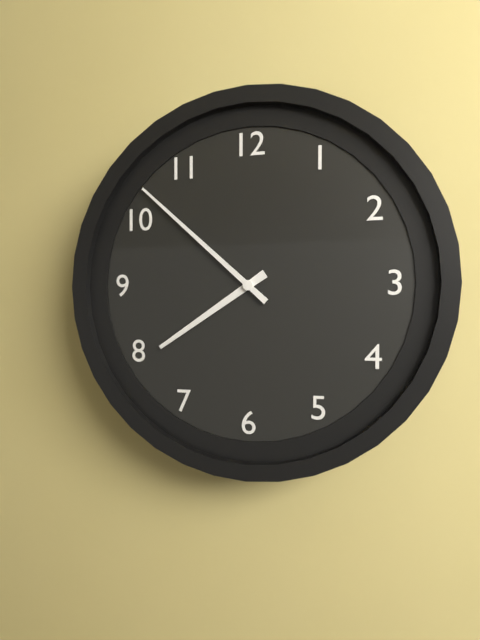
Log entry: 7:52
